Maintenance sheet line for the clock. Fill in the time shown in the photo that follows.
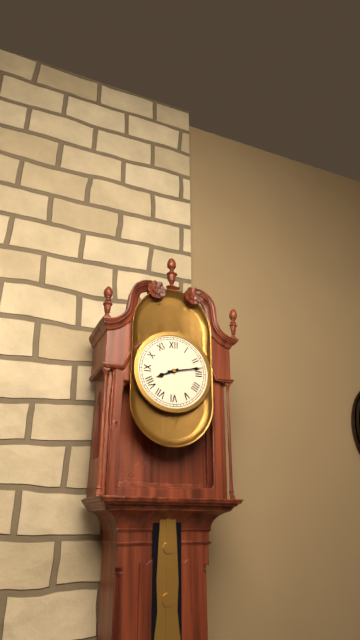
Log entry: 8:13
